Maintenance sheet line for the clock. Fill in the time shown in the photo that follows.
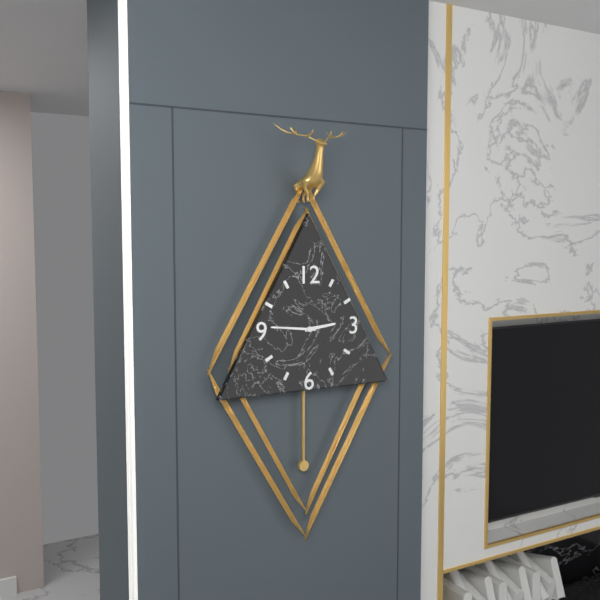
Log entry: 2:46
